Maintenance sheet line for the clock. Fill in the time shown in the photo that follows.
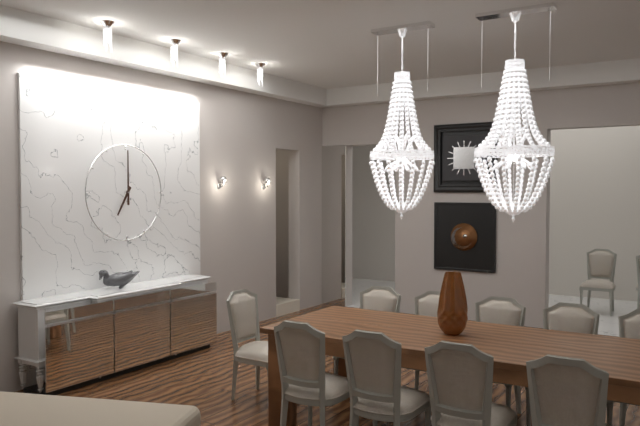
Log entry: 7:00
